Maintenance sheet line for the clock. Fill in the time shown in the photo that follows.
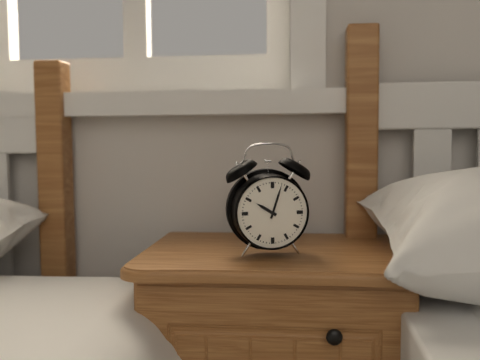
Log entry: 10:03
